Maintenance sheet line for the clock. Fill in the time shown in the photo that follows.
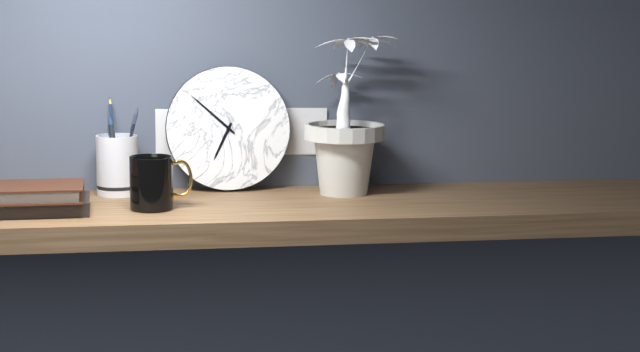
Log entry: 6:52
